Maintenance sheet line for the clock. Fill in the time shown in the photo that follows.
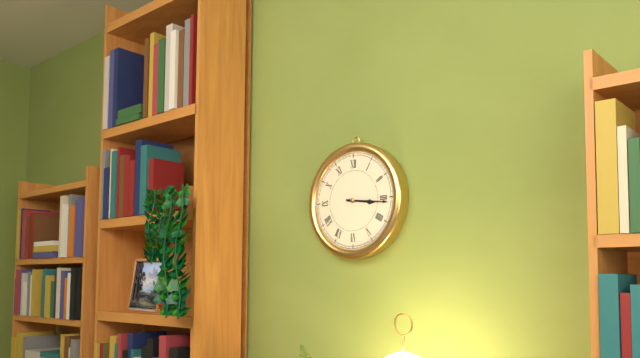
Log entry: 3:16
